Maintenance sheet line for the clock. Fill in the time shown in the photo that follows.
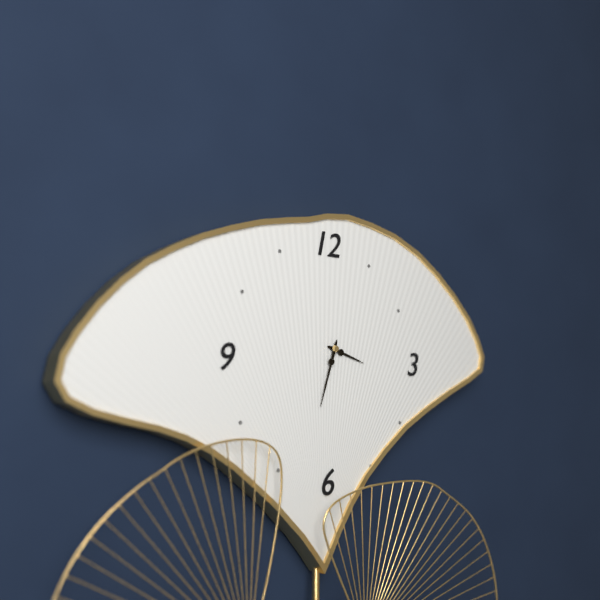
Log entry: 3:33
